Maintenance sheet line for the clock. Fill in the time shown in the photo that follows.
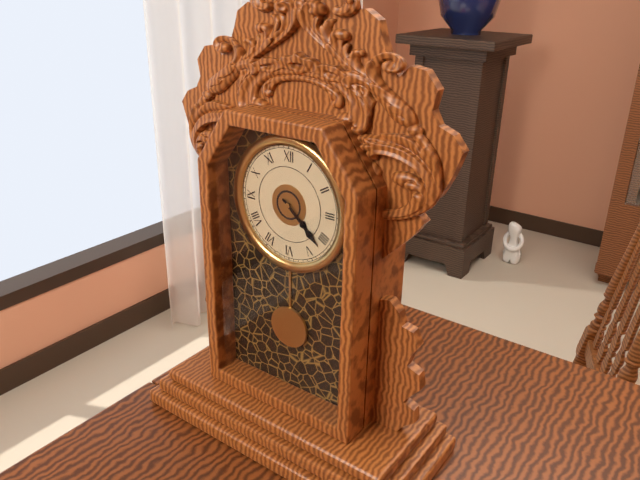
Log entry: 4:22
